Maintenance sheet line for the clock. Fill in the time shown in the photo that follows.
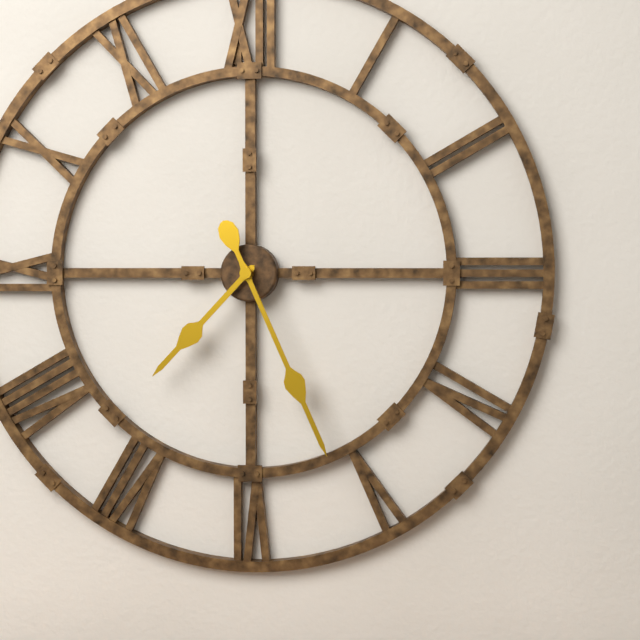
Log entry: 7:26
